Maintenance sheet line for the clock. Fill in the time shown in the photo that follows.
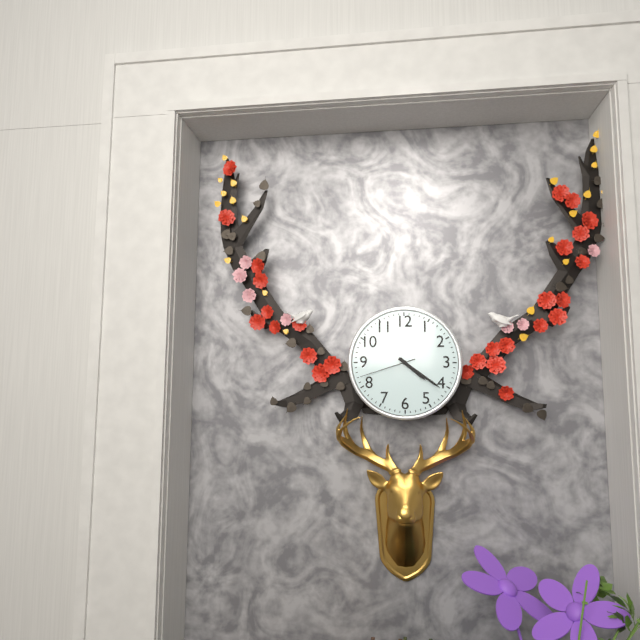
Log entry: 4:21:42
